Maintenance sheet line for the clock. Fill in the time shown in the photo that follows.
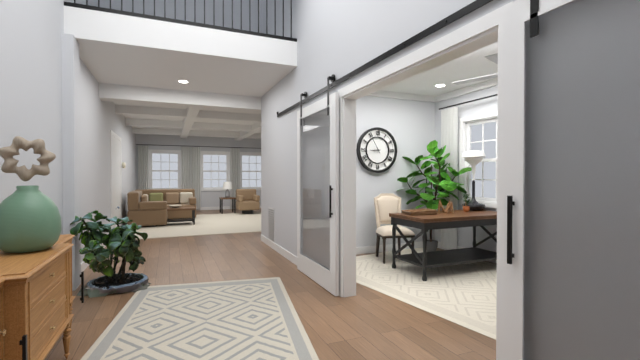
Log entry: 8:55
